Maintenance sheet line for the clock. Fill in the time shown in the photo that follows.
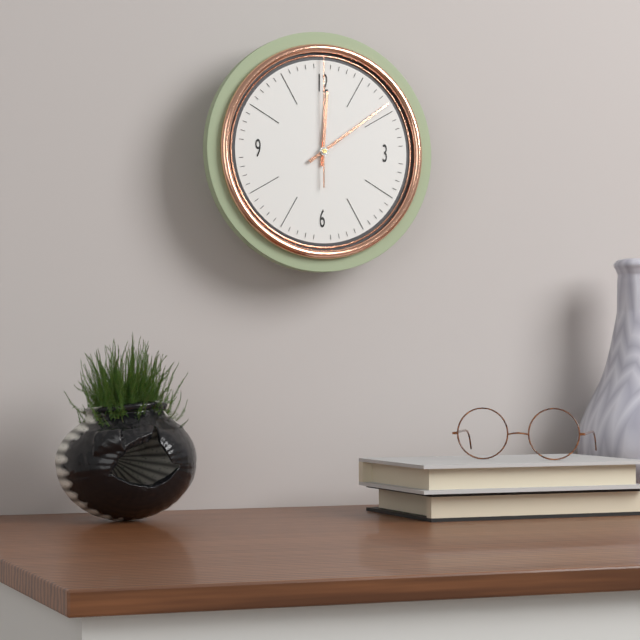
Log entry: 12:09:00
